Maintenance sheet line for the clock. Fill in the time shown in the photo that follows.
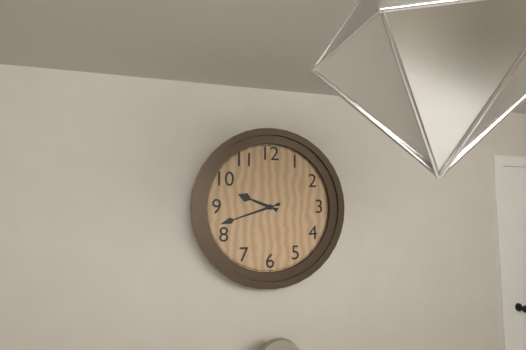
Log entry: 9:42
